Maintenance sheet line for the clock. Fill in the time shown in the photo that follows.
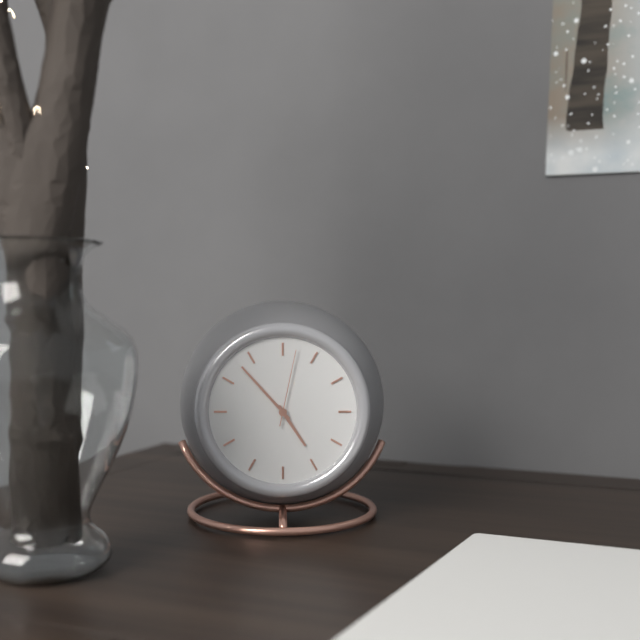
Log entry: 4:53:02
